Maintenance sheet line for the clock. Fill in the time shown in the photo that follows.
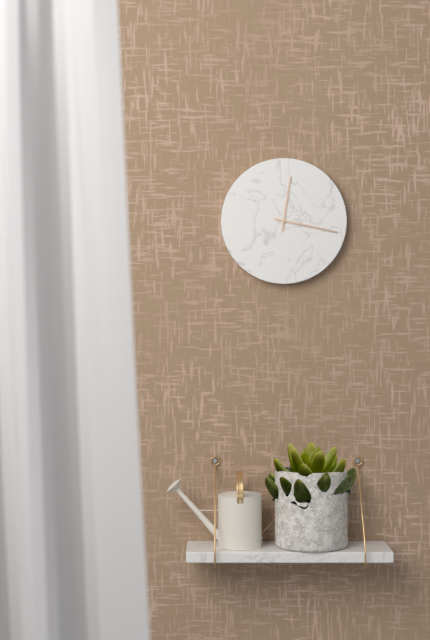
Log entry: 12:17
